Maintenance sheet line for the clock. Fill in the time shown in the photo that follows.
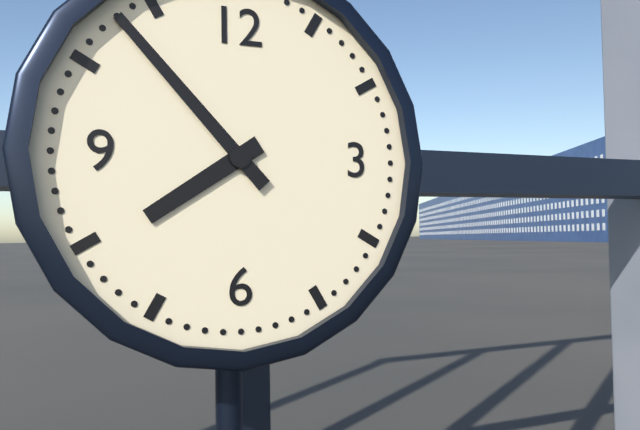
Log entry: 7:53
